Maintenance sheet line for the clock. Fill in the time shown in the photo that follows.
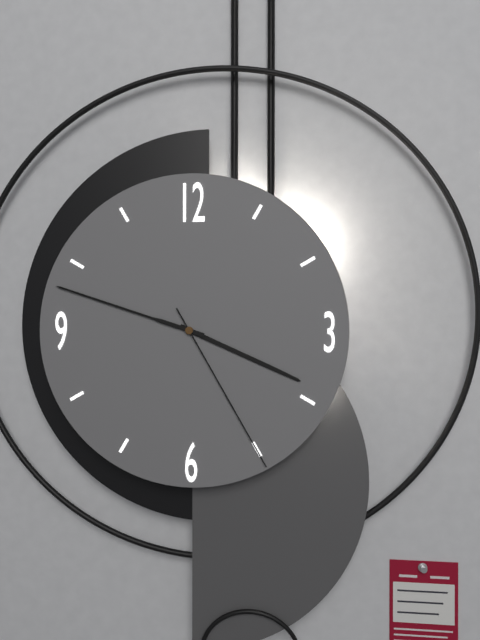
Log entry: 3:48:25
